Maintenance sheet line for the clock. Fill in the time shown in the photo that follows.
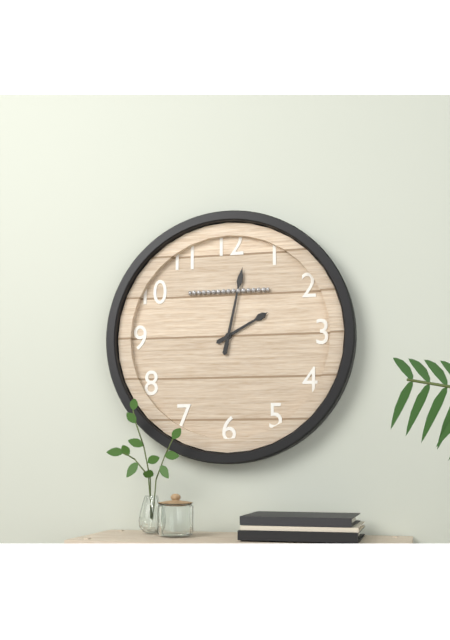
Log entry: 2:02
